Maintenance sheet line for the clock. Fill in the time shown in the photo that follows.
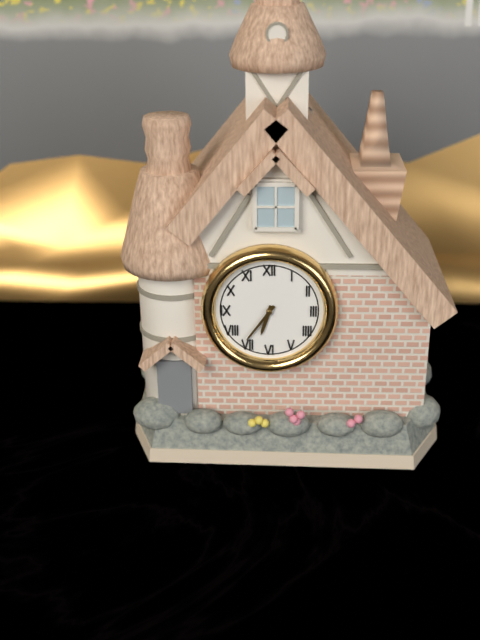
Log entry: 6:36
